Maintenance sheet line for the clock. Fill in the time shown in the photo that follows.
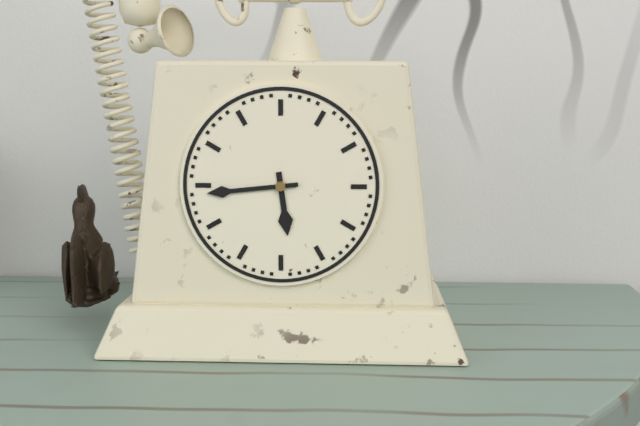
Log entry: 5:44
